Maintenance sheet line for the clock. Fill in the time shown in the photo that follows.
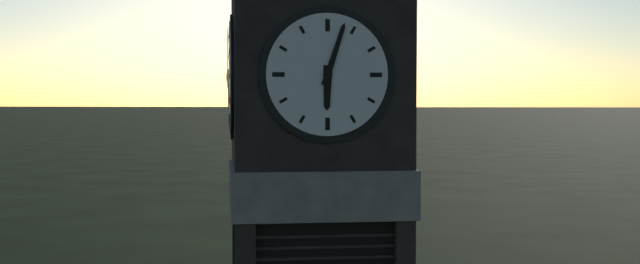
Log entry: 6:03
